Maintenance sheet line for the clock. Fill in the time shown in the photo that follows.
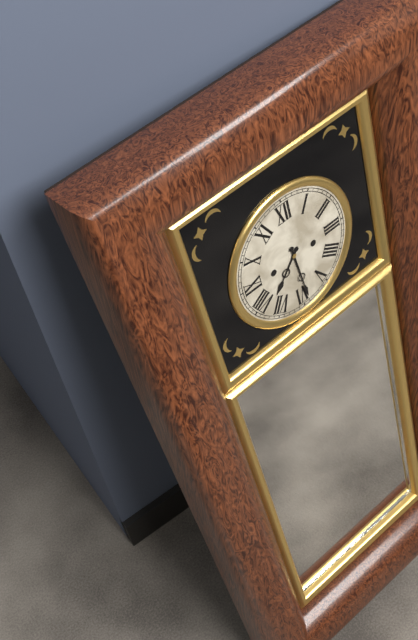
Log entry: 7:29
